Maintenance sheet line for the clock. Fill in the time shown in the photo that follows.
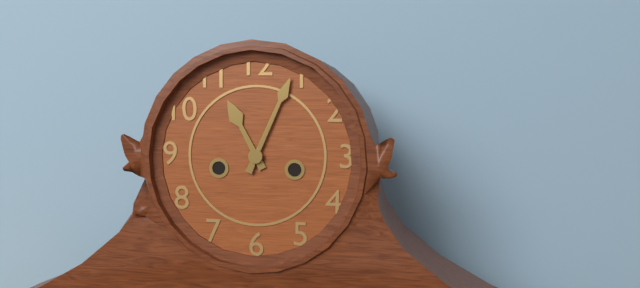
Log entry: 11:04
